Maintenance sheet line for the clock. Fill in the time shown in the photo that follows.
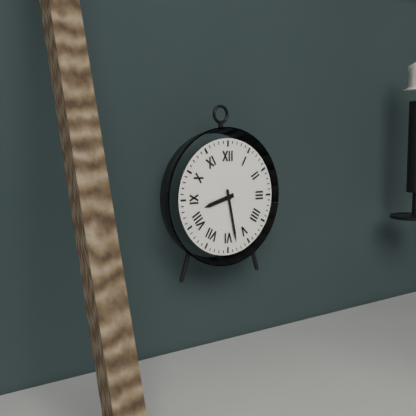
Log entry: 8:28
